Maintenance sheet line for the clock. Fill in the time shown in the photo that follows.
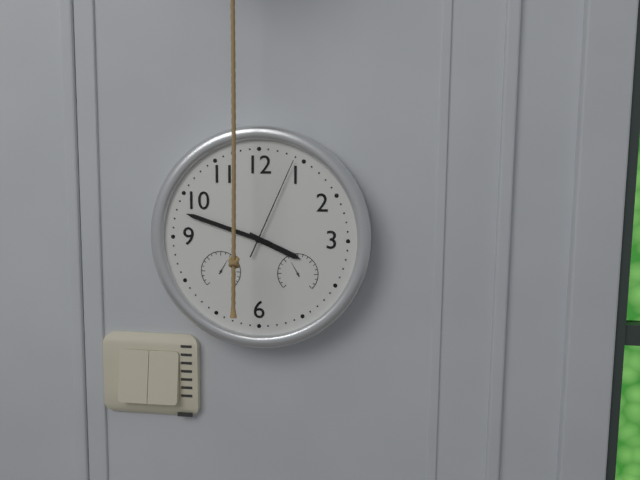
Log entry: 3:48:04
